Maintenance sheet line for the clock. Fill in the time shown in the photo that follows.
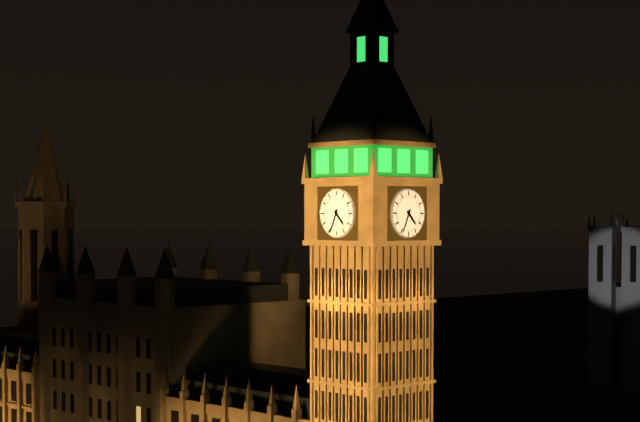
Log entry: 4:34
